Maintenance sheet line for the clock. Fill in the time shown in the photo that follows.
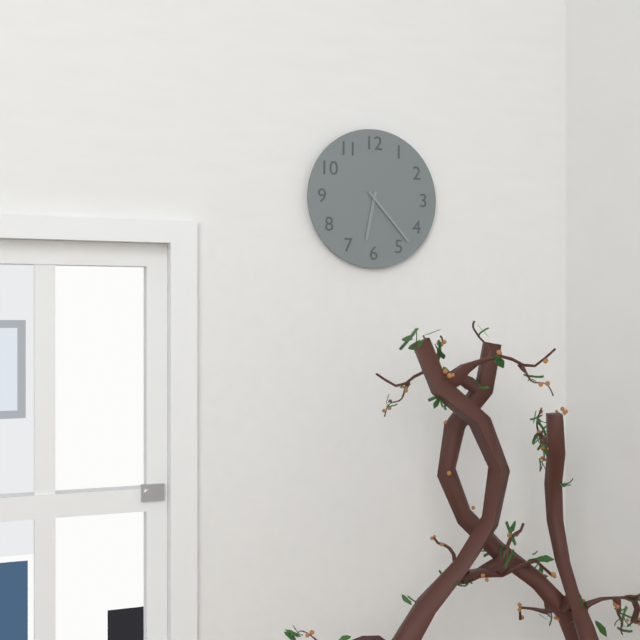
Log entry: 6:23
